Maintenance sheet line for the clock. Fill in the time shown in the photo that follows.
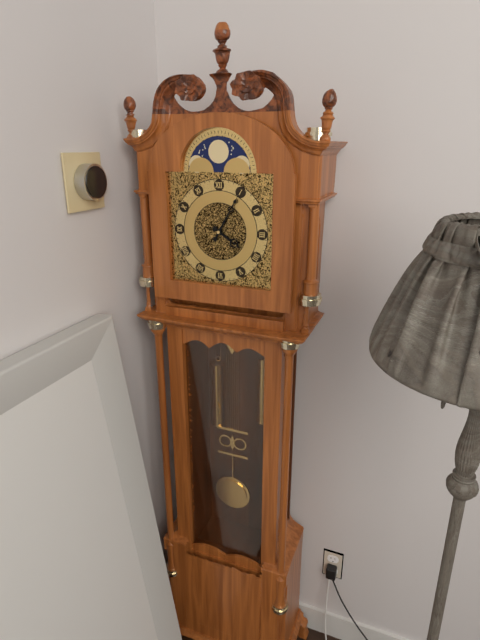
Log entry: 4:05
